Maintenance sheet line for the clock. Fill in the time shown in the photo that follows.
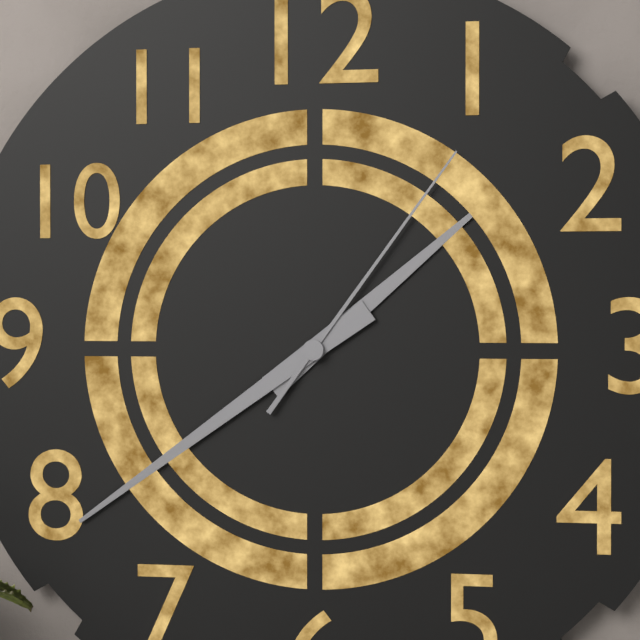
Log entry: 1:39:06
